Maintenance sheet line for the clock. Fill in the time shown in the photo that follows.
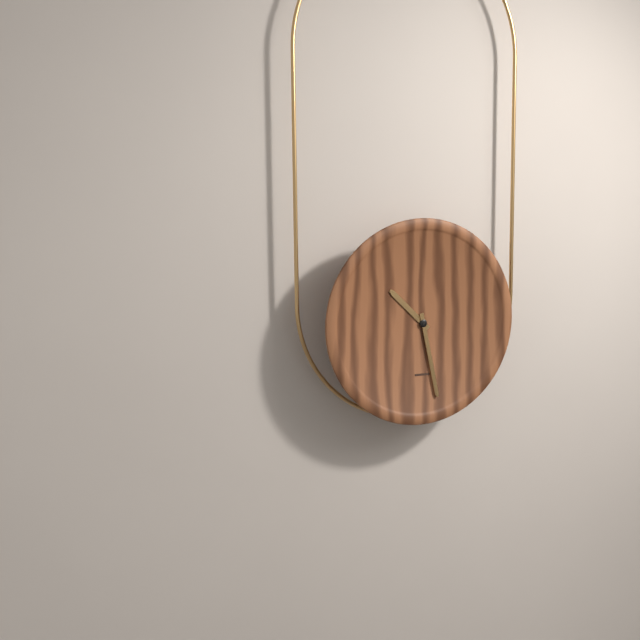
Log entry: 10:28
